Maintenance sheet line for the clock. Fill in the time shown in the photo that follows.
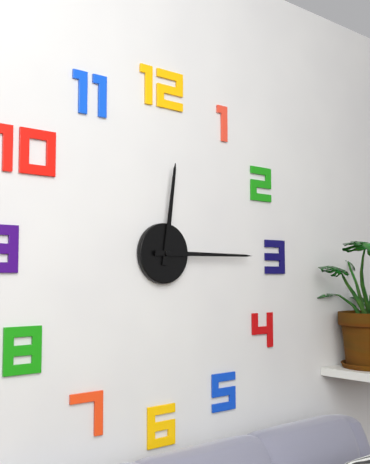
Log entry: 12:15
